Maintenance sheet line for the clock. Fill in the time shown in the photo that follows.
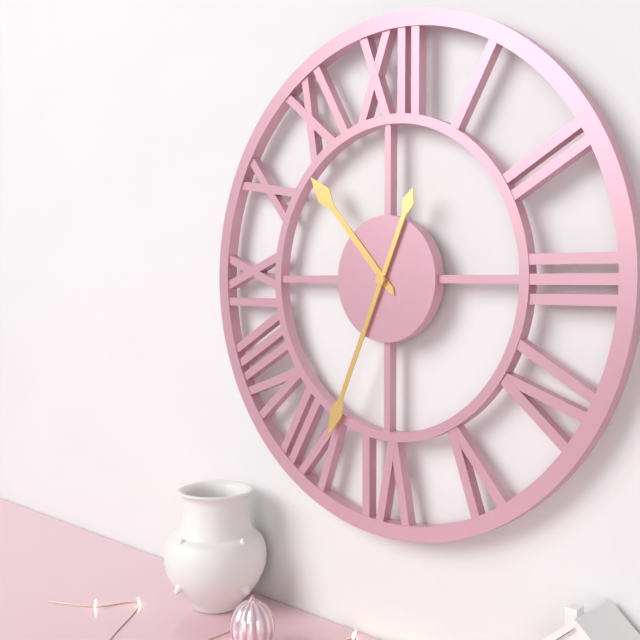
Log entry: 10:34
